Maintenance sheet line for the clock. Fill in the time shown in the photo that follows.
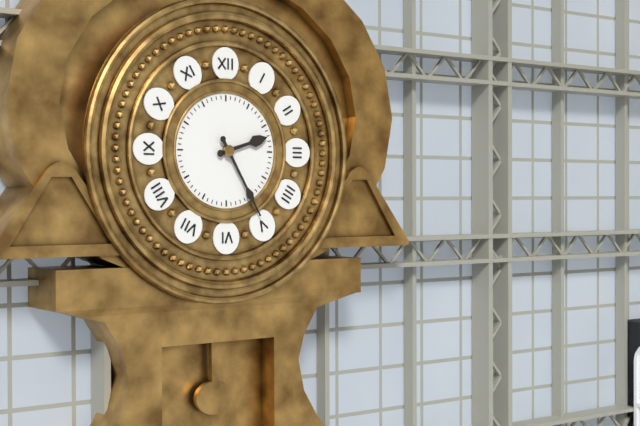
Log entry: 2:25
